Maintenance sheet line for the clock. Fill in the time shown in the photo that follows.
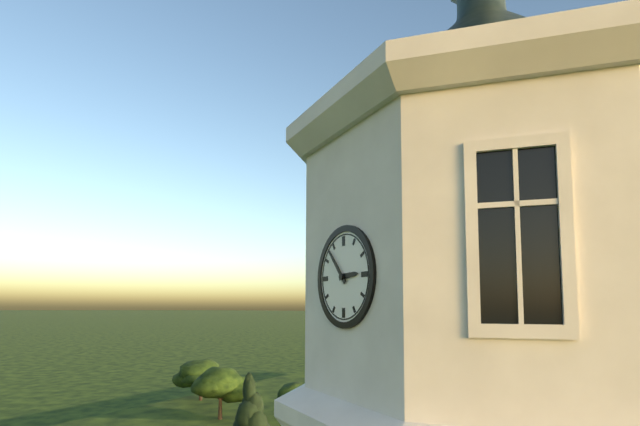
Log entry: 2:53
